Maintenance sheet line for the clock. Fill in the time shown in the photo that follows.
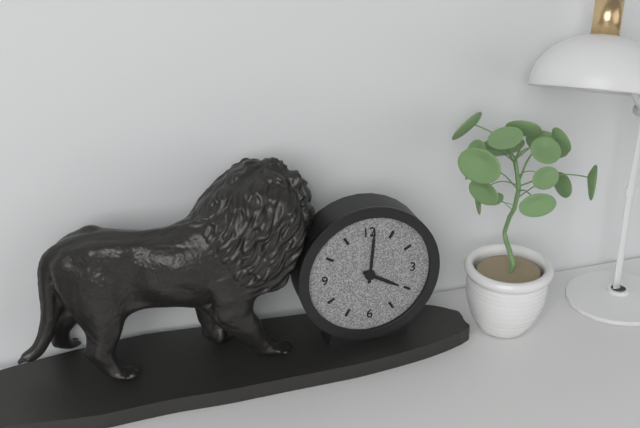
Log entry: 4:01
